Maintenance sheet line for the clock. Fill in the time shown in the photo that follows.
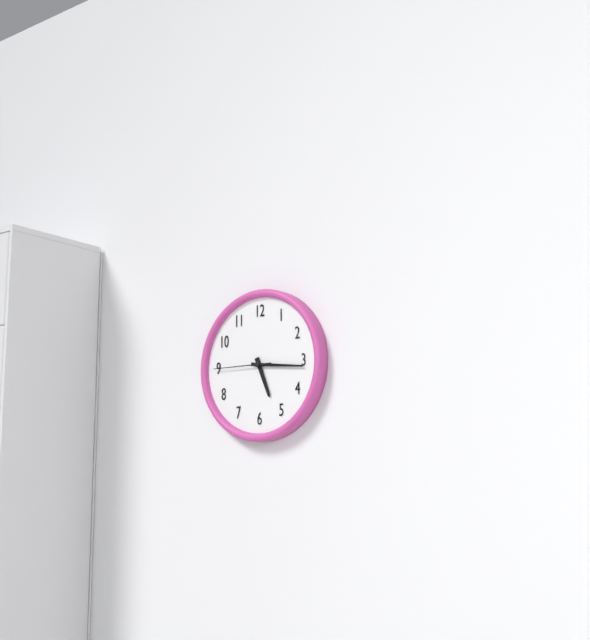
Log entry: 5:16:45
